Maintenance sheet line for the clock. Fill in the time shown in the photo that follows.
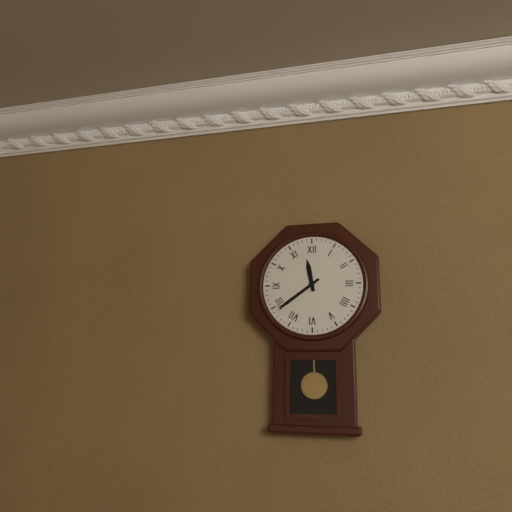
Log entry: 11:39
